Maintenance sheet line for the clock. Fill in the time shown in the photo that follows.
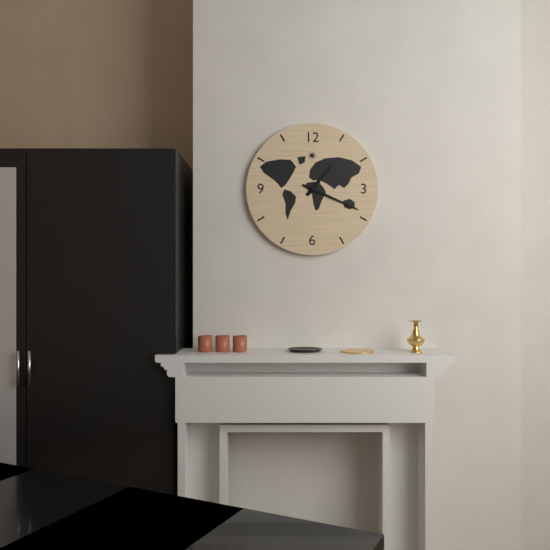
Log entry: 1:19
